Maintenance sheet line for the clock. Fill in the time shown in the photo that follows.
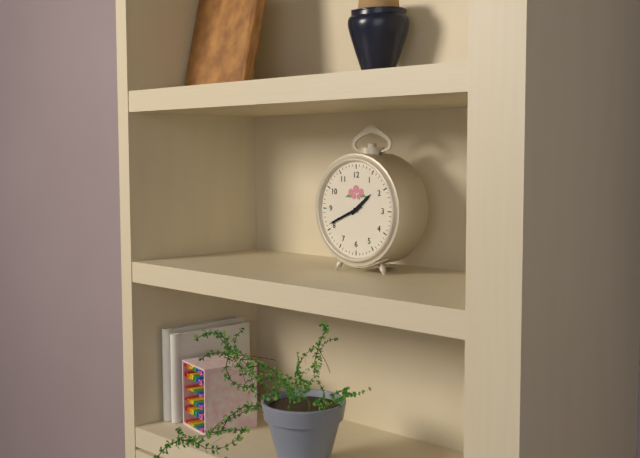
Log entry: 1:41
